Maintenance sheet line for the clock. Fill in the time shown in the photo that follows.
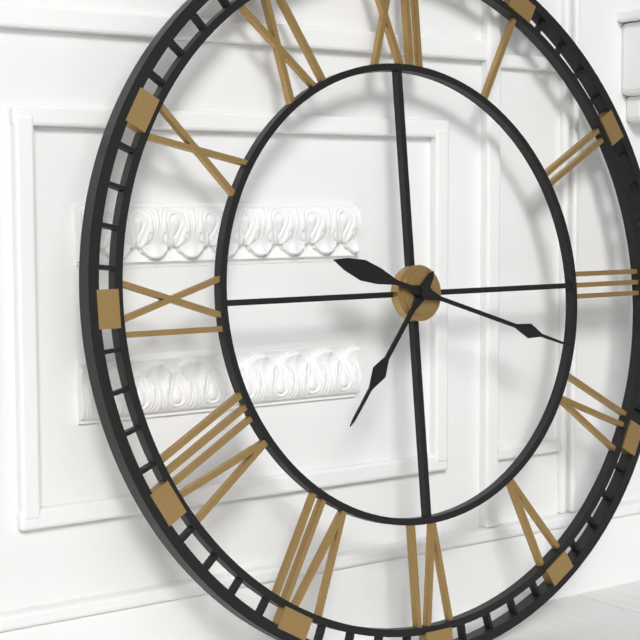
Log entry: 7:18
